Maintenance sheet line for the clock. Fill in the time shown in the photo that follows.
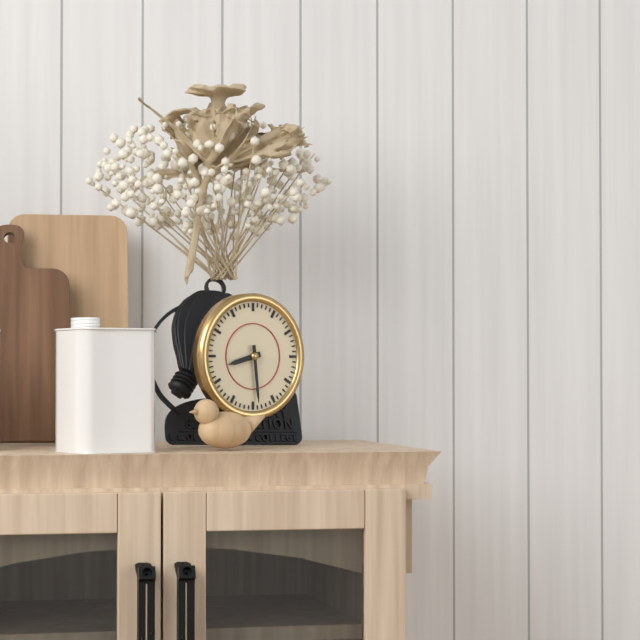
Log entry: 8:29
